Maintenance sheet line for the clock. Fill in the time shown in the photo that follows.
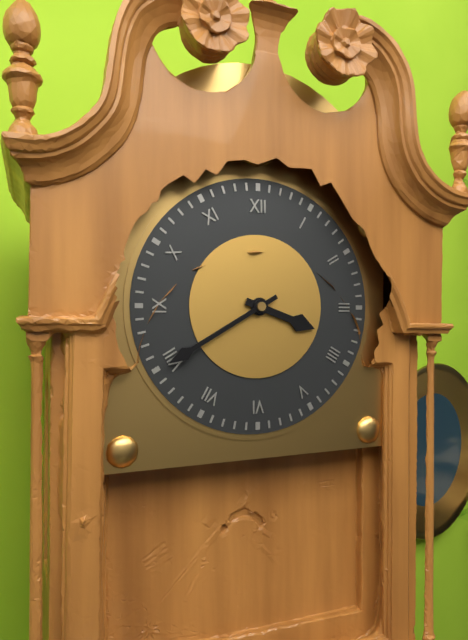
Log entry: 3:40
